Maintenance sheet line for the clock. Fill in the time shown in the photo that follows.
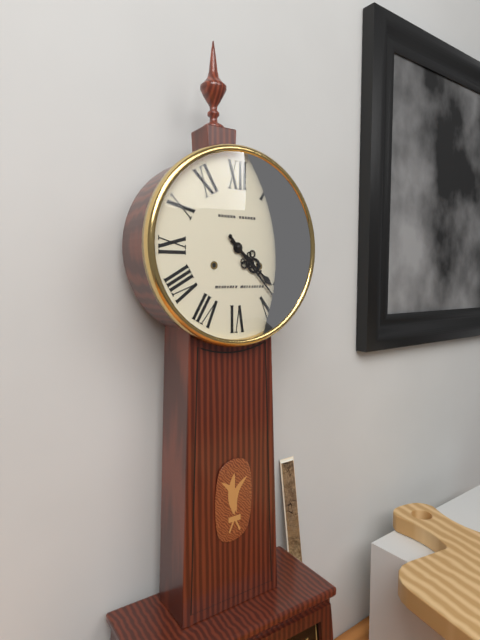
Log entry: 4:23
